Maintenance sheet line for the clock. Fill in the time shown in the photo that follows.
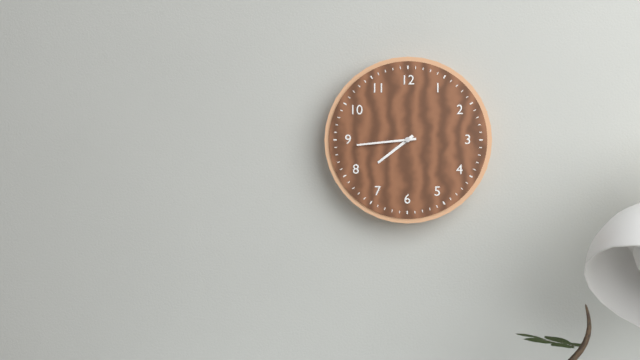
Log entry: 7:44
